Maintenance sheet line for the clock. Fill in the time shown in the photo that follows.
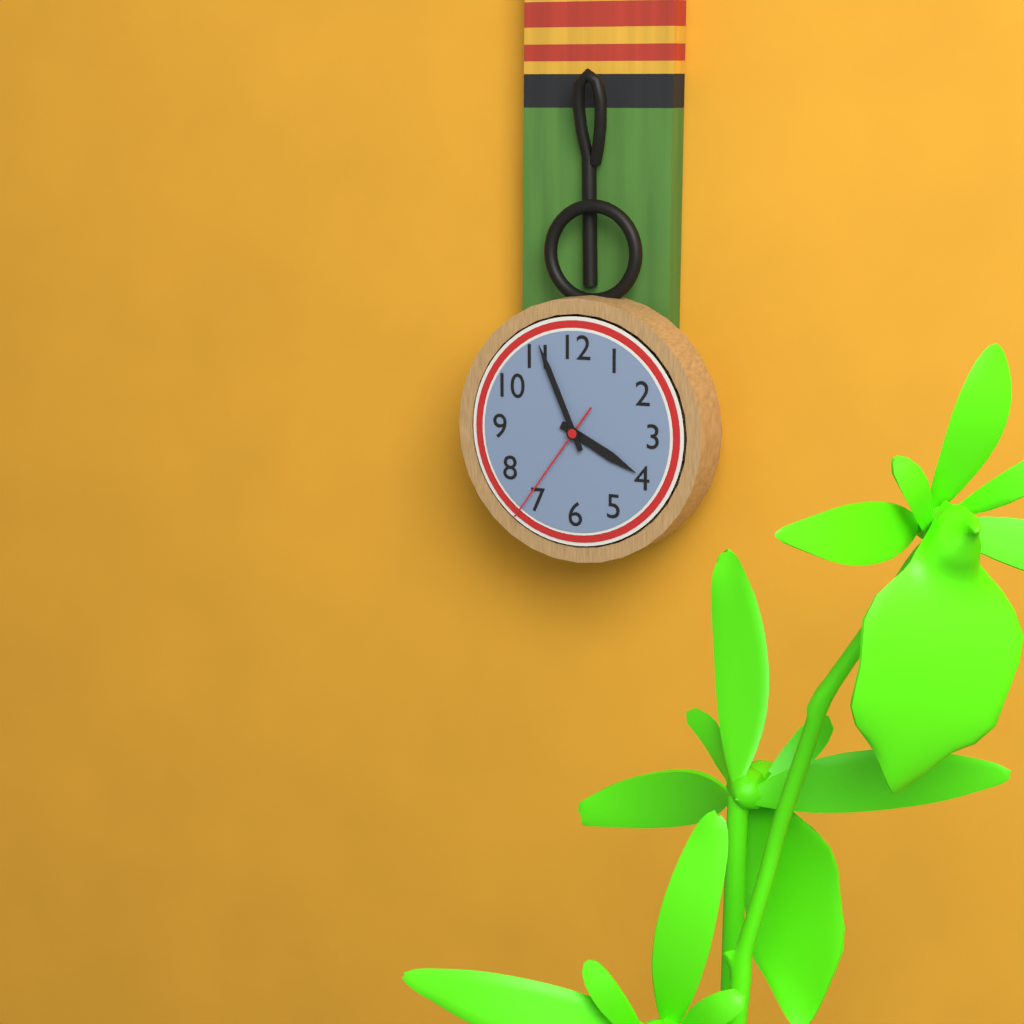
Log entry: 3:56:36
